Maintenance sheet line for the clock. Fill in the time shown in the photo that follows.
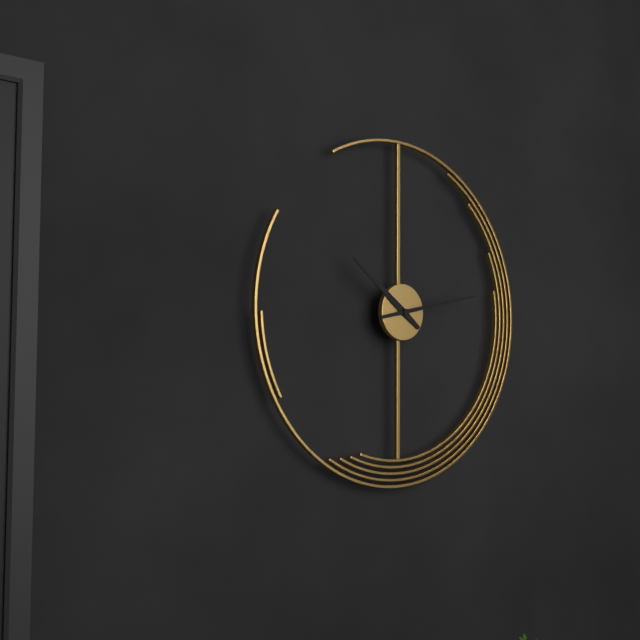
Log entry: 10:13
